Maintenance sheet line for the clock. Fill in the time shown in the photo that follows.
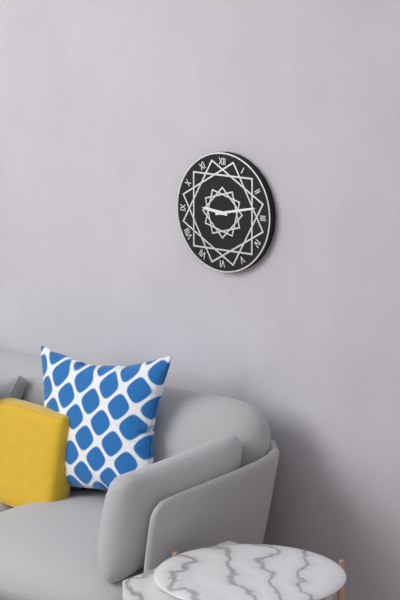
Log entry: 9:13
